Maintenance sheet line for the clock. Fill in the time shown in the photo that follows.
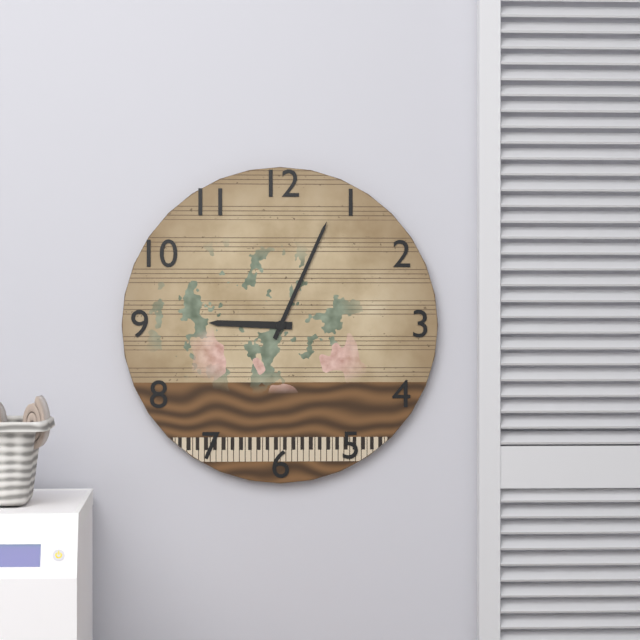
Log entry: 9:04
